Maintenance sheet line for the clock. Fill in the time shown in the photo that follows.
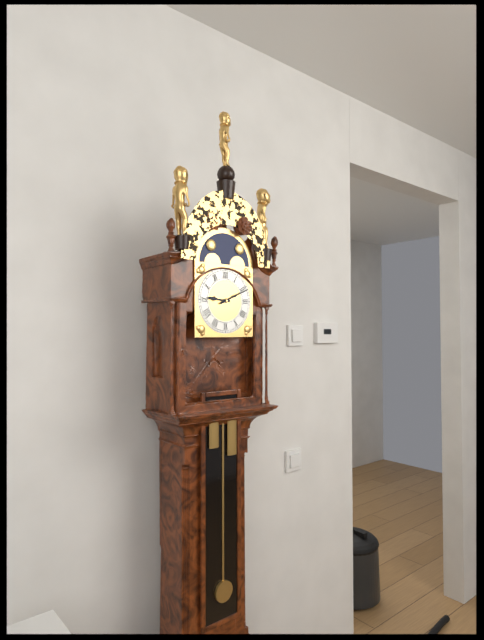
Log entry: 9:11
